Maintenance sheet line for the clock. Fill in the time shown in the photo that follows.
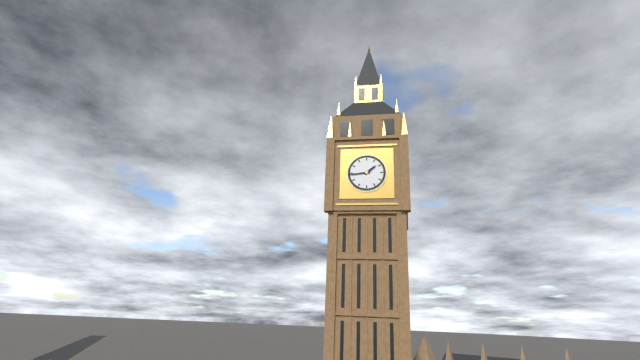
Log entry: 1:44
